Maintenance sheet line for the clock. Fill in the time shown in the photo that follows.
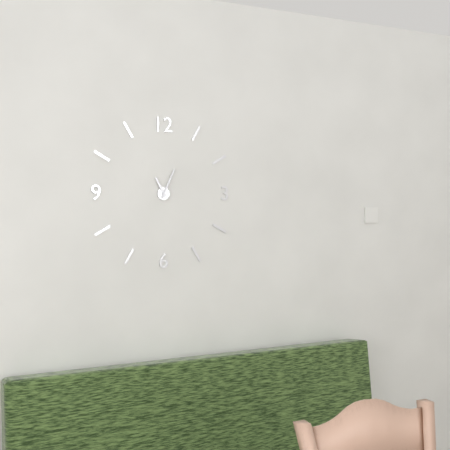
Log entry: 11:04
